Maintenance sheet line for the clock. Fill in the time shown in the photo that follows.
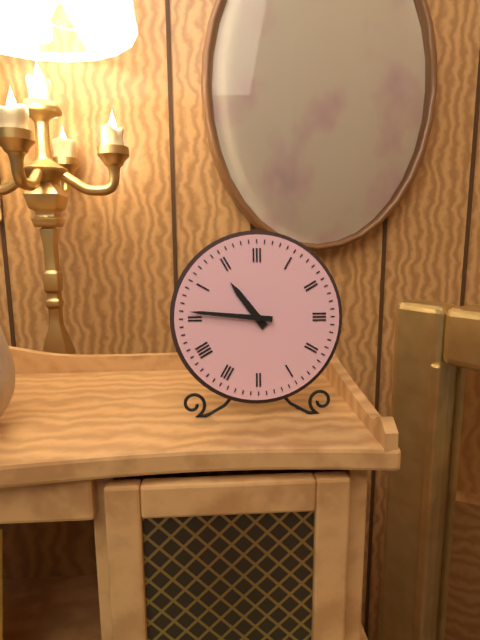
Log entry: 10:46
